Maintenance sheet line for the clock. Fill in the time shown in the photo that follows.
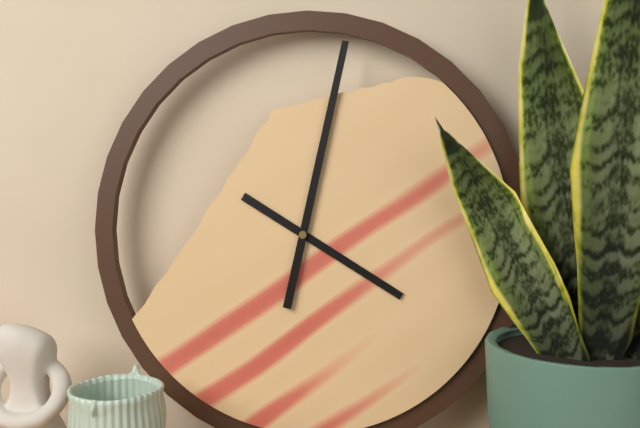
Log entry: 4:02
